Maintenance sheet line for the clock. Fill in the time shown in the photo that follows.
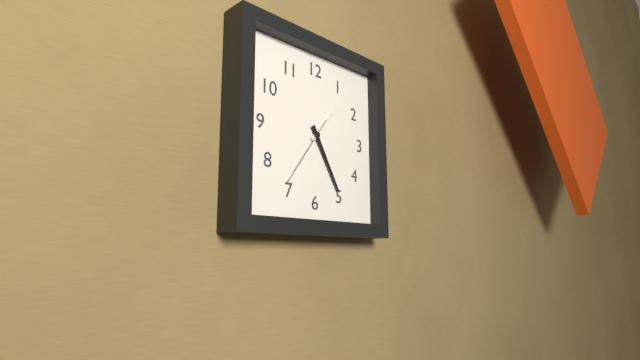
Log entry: 1:25:36
